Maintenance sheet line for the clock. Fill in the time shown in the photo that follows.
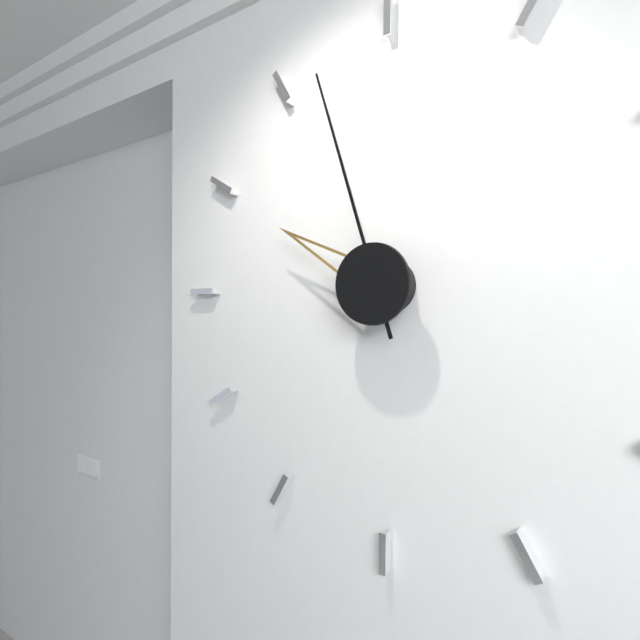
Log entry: 9:57
